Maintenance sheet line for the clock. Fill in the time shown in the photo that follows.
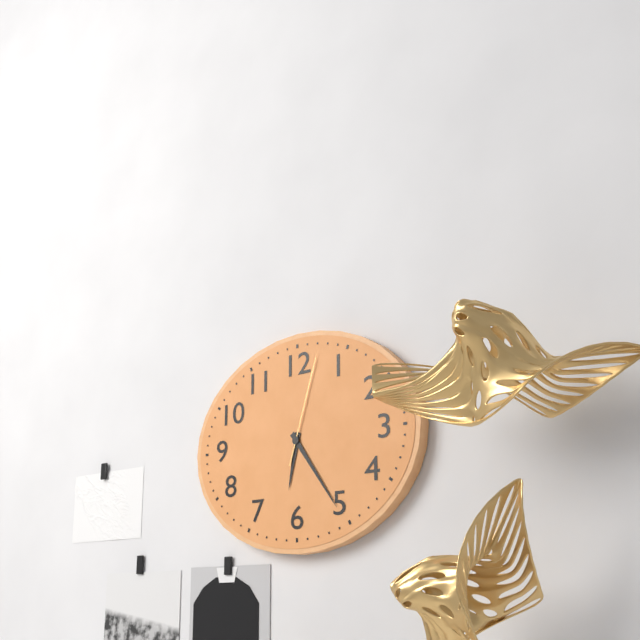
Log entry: 6:24:03
